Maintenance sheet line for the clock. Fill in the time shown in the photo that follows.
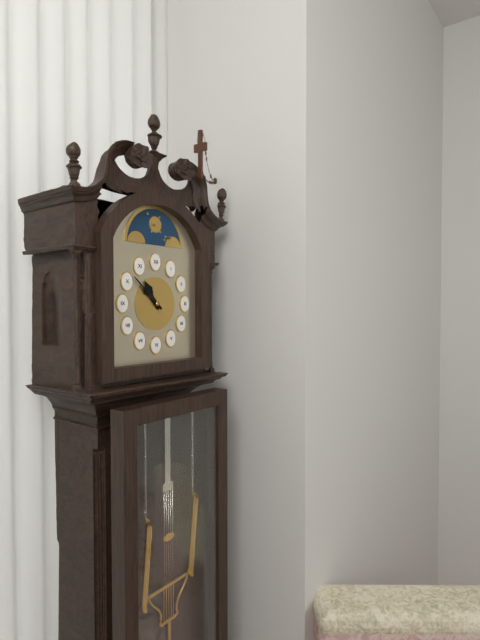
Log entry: 10:52
